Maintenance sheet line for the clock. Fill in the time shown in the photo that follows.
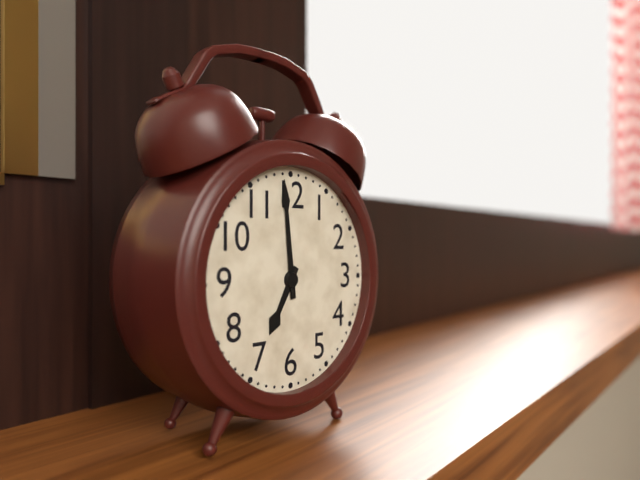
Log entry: 6:59
